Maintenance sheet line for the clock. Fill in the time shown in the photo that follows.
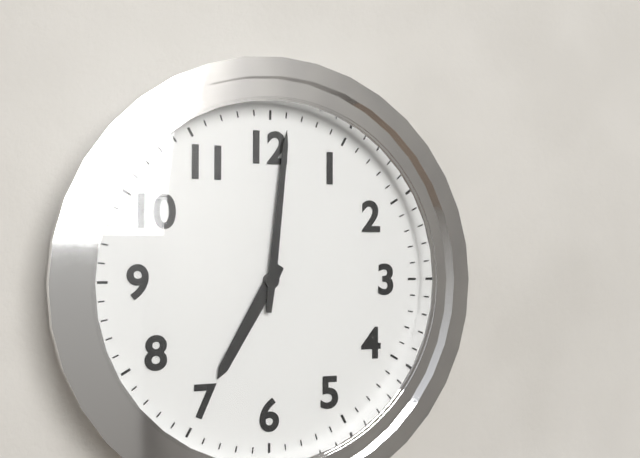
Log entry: 7:01
